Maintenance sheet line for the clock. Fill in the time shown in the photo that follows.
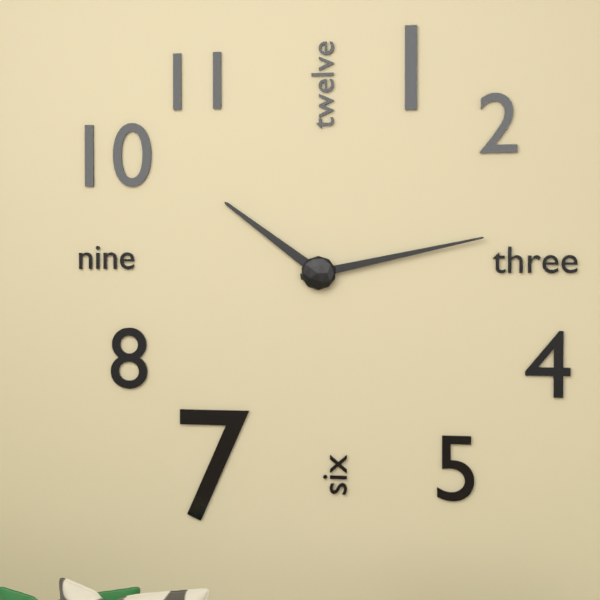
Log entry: 10:13
